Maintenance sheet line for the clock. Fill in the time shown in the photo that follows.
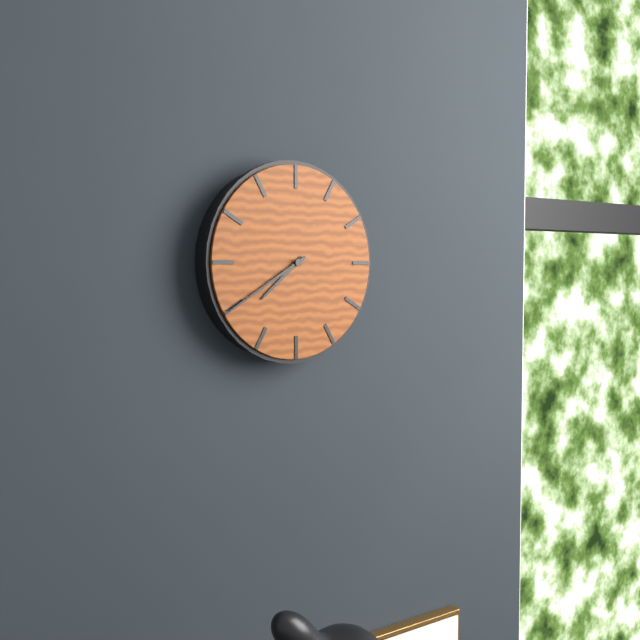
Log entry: 7:40
